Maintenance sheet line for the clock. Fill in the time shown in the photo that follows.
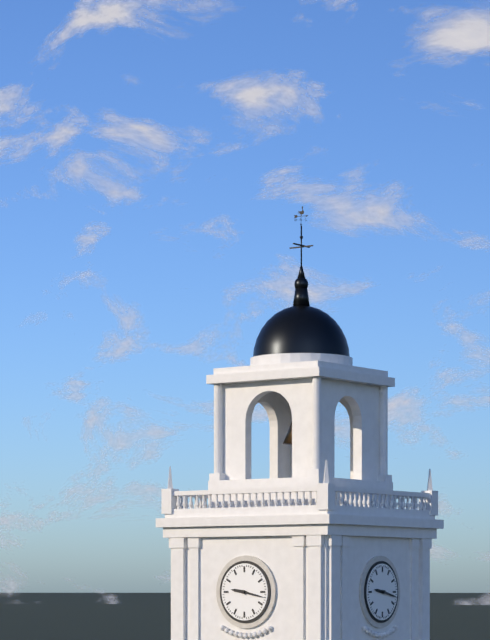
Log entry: 9:17
